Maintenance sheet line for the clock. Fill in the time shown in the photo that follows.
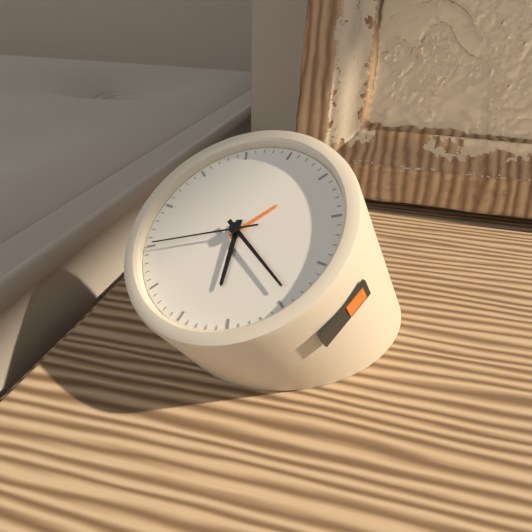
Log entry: 5:19:40
